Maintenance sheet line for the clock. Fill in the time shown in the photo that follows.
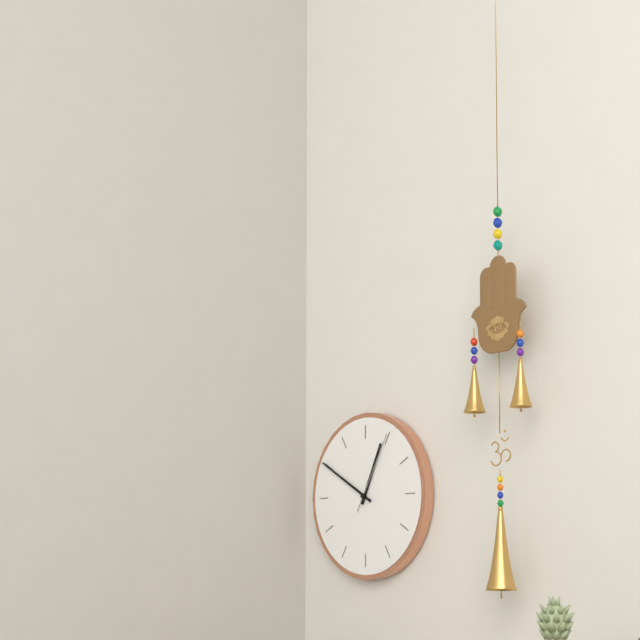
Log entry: 12:50:05
